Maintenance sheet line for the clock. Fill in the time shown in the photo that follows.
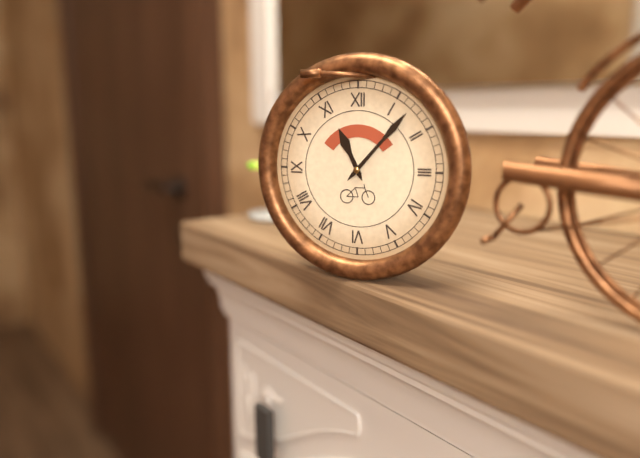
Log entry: 11:07
